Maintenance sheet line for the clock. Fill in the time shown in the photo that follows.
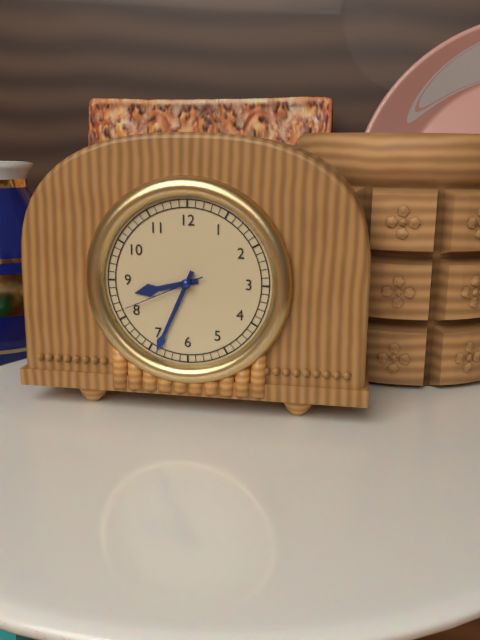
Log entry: 8:34:41
